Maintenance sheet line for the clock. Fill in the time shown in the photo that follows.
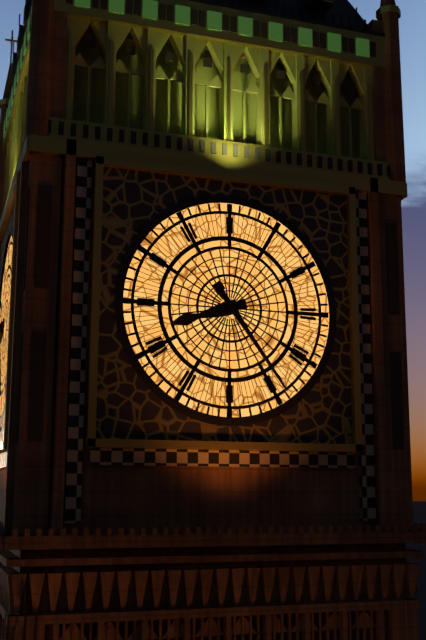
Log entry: 8:24
